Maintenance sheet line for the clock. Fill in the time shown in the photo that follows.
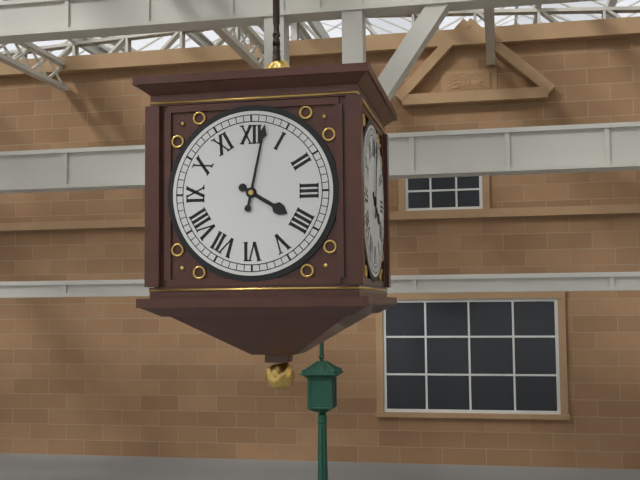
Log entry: 4:02
